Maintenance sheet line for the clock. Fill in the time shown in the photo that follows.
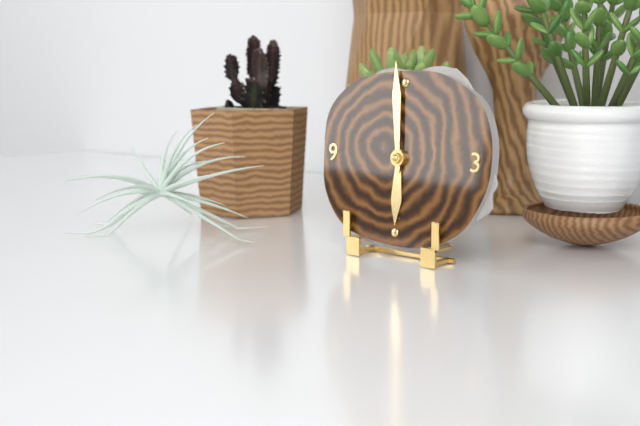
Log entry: 5:59
